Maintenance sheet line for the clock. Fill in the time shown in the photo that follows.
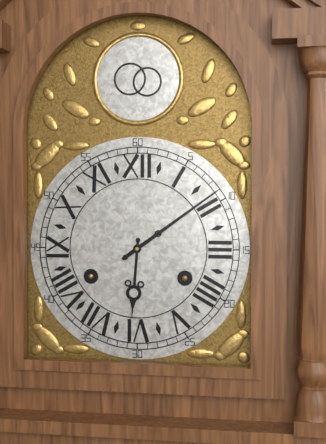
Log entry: 6:09
